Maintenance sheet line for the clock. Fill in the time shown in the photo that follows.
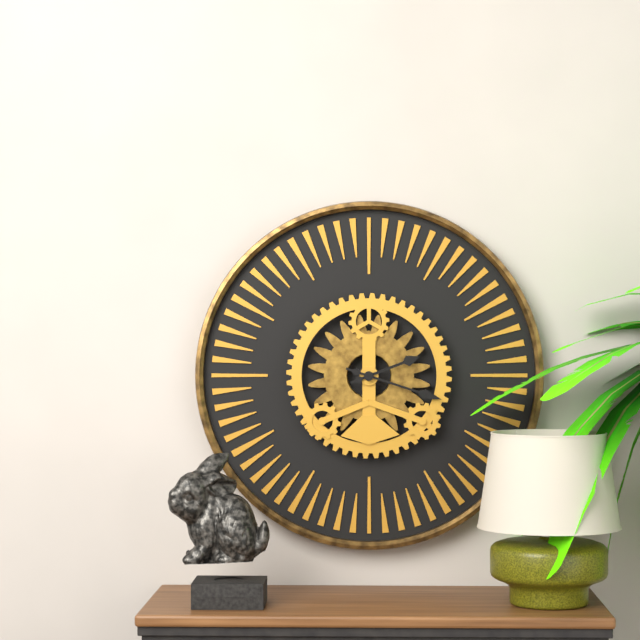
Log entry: 2:18
